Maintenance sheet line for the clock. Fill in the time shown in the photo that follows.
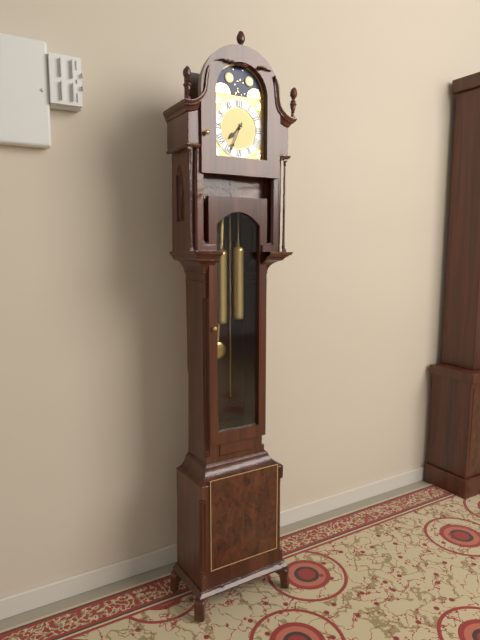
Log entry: 7:34
